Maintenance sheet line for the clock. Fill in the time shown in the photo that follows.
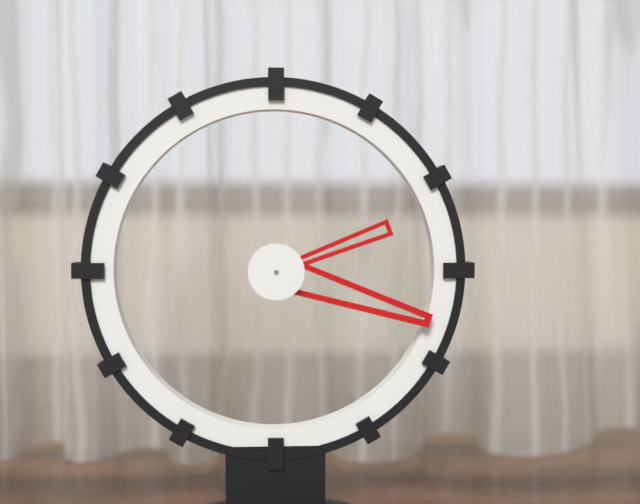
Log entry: 2:18
